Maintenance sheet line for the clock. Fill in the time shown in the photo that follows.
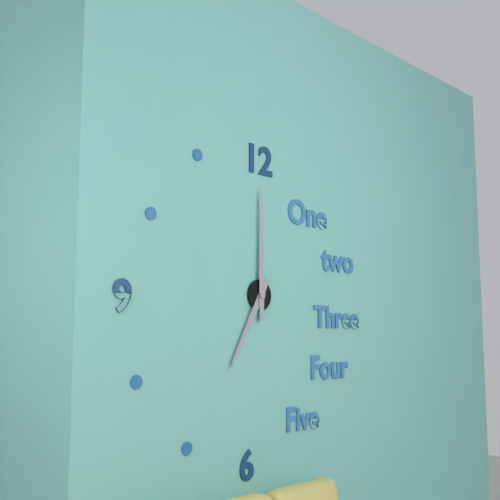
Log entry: 7:00
